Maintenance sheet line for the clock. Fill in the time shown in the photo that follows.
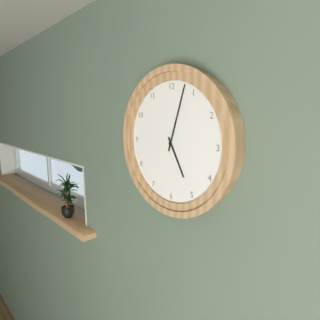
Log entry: 5:03
